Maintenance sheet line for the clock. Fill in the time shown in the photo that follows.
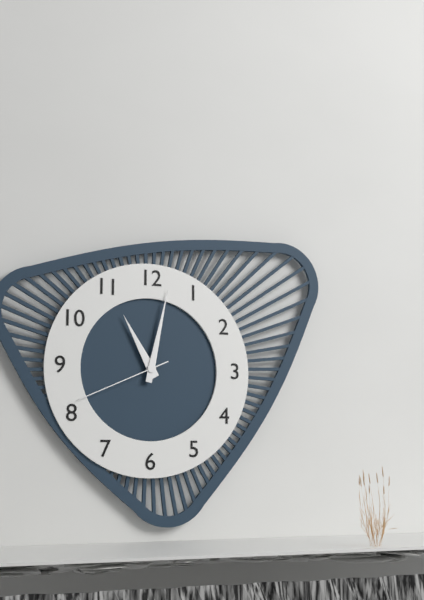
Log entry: 11:02:41
